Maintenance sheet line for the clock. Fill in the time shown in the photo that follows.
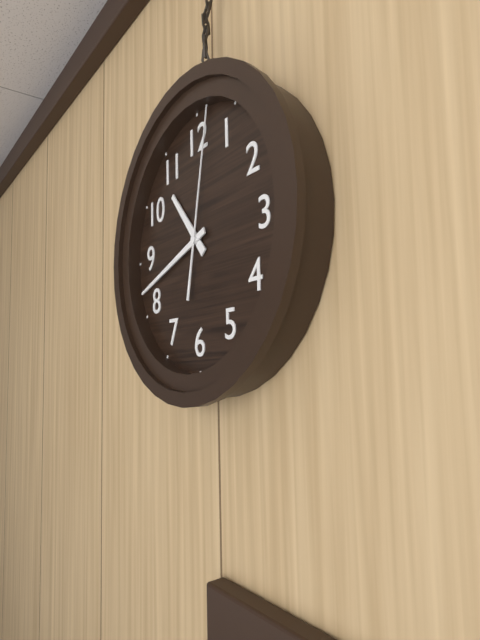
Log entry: 10:42:02
